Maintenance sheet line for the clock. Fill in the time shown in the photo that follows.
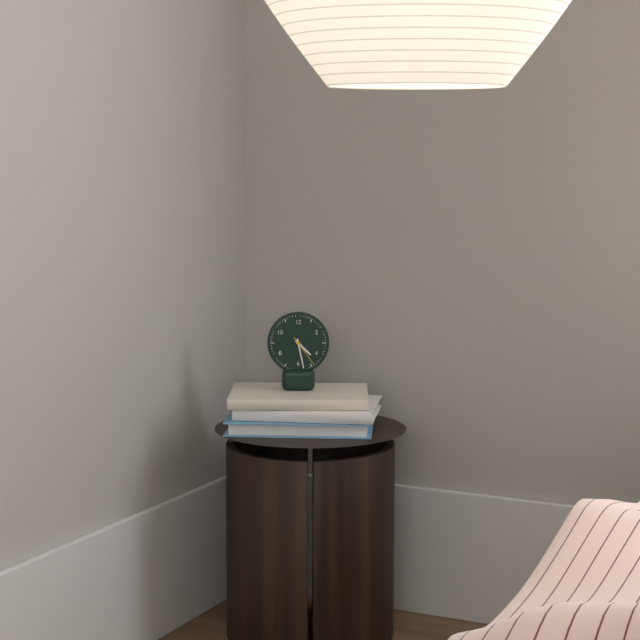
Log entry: 4:28
